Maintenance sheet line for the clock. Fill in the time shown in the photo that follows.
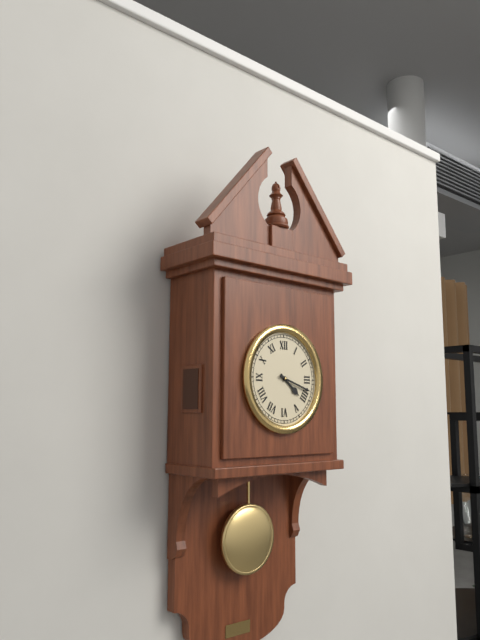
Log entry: 4:18
